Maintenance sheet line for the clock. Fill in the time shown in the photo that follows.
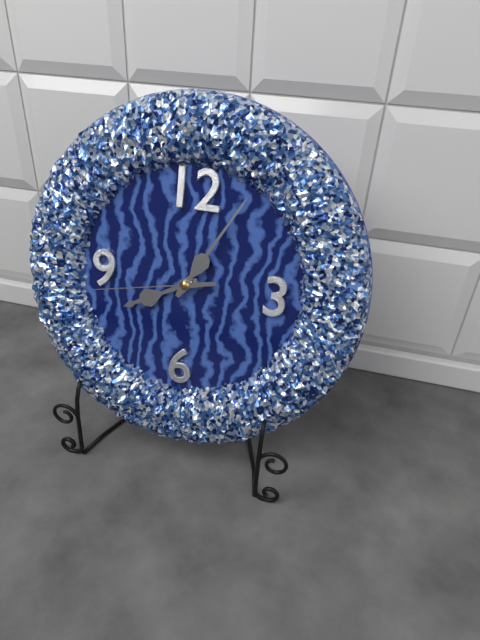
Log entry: 8:05:43
